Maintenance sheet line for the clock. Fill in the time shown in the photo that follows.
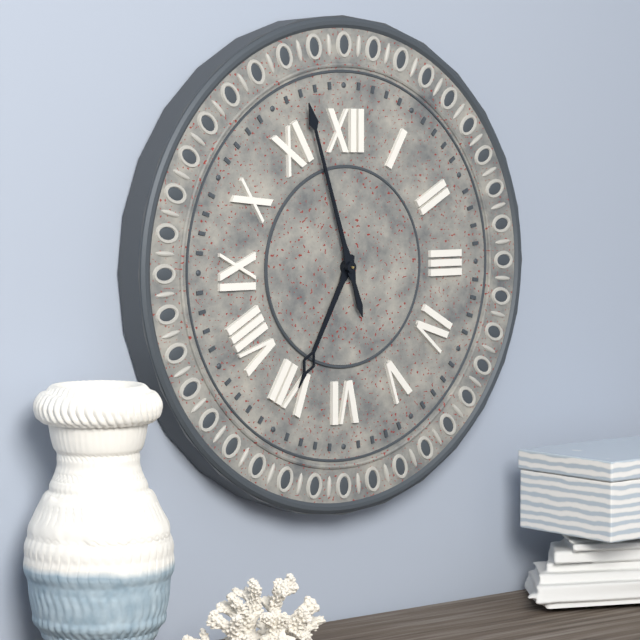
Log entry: 6:57
